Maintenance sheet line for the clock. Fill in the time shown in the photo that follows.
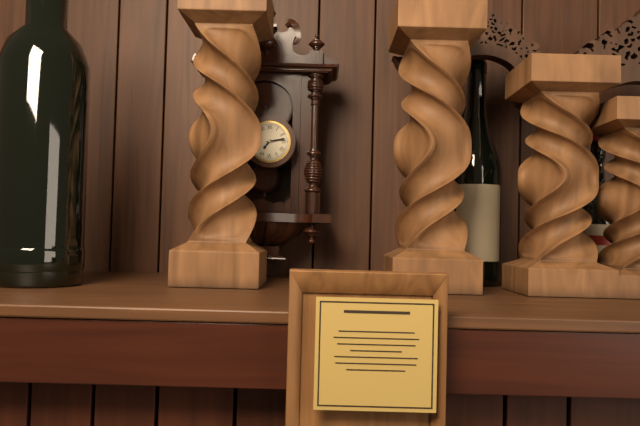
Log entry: 7:13
